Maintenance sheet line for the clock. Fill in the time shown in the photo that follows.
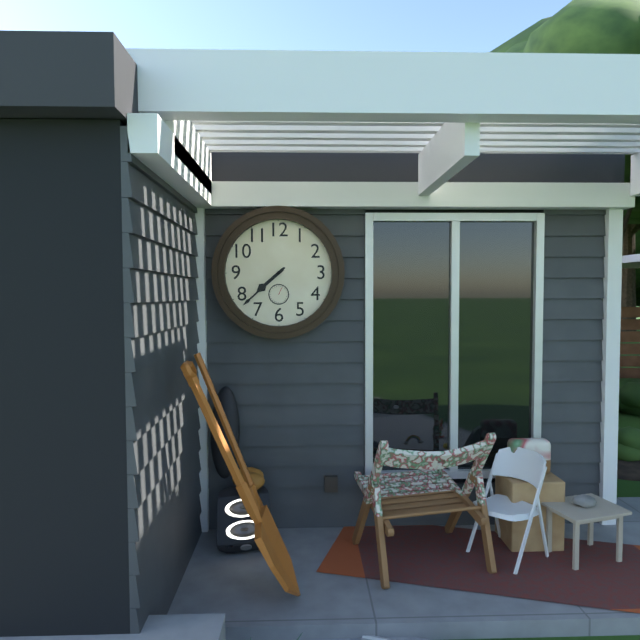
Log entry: 7:38
